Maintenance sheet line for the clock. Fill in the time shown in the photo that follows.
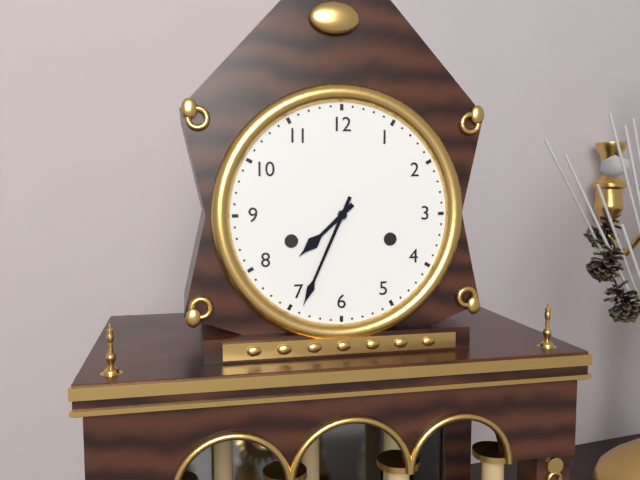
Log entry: 7:34
